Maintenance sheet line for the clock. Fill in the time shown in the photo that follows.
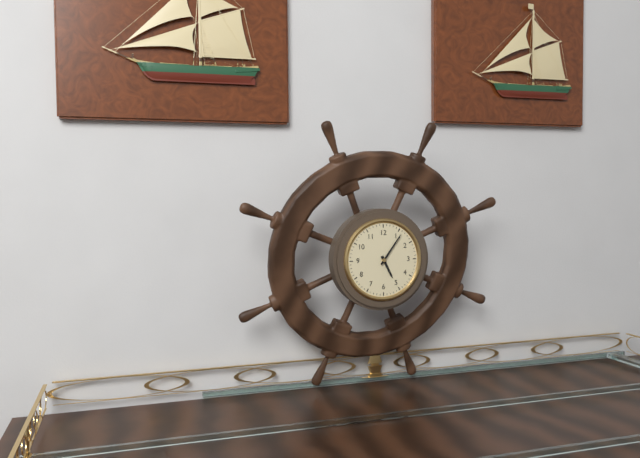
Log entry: 5:06
